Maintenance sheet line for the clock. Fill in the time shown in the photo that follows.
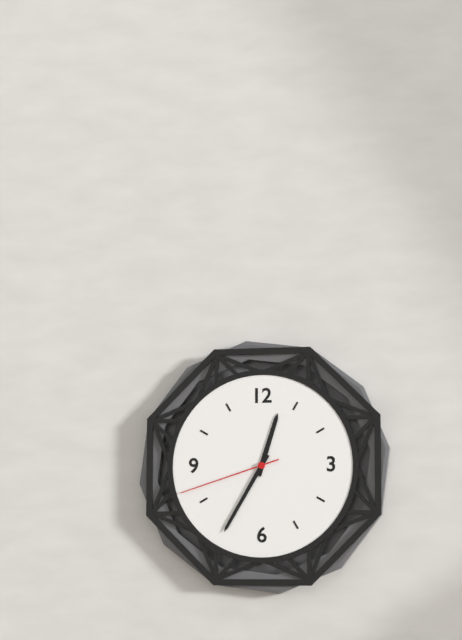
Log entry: 12:35:42
